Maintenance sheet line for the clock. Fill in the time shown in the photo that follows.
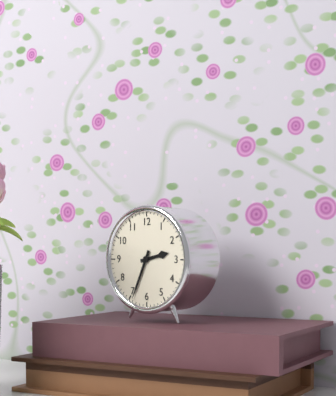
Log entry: 2:34
